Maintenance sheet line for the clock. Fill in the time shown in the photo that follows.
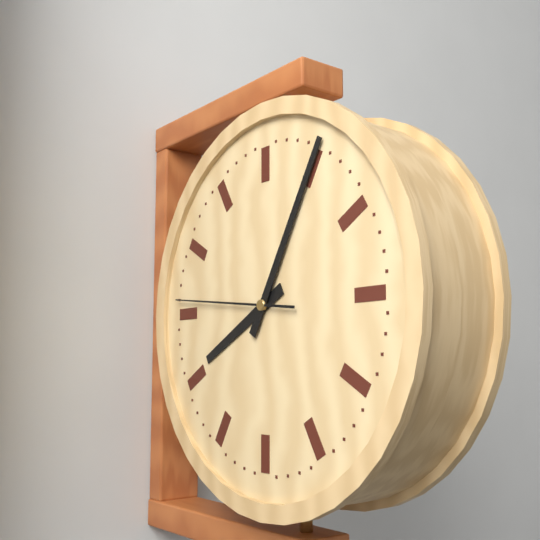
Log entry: 8:05:46
